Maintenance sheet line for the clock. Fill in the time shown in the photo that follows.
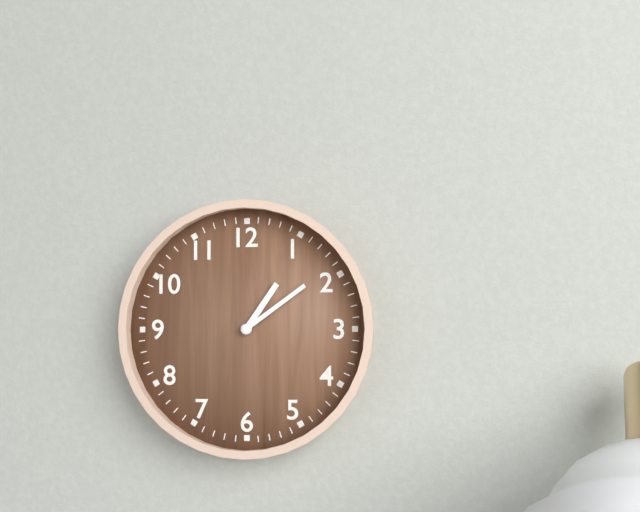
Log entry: 1:09
